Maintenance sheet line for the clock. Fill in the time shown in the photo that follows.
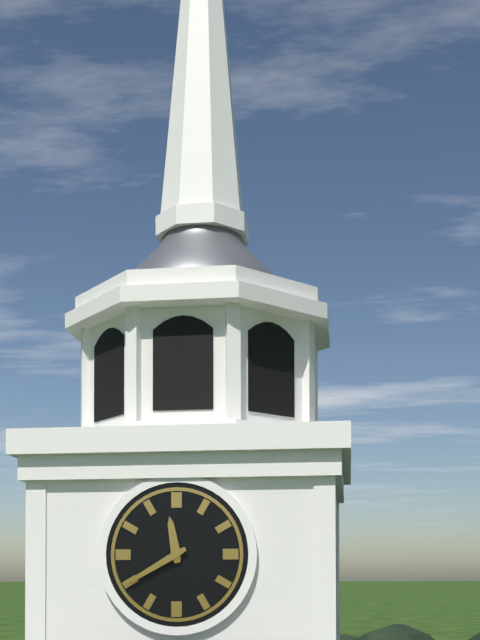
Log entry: 11:40
